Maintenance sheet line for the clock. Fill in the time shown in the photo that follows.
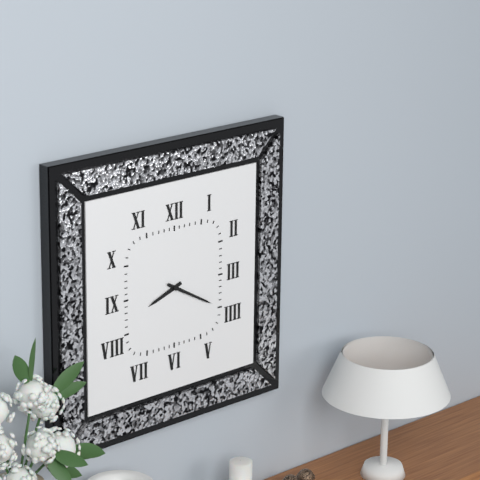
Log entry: 8:20
